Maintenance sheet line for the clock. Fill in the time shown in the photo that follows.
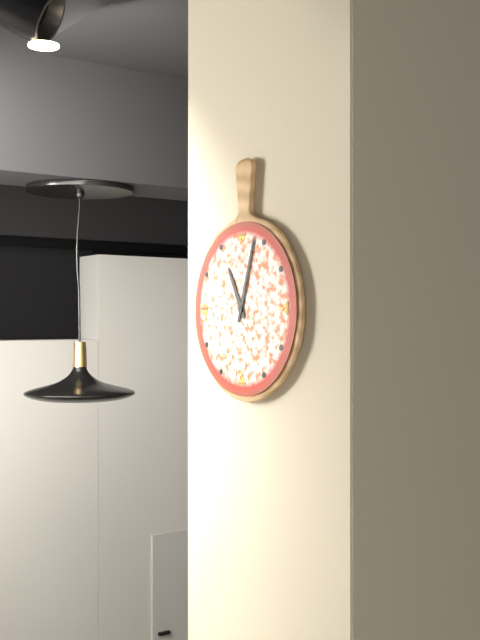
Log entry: 11:03
